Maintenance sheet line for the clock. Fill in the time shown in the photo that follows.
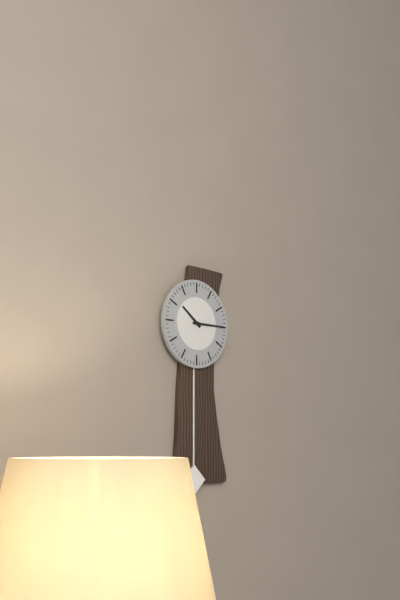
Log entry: 10:15
